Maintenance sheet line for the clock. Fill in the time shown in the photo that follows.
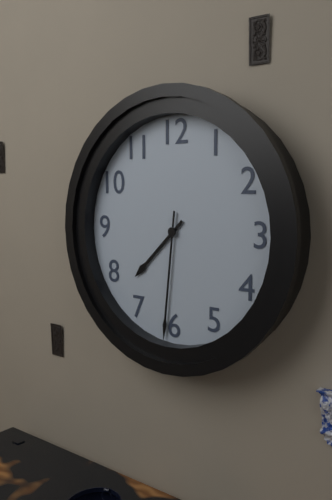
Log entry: 7:31
